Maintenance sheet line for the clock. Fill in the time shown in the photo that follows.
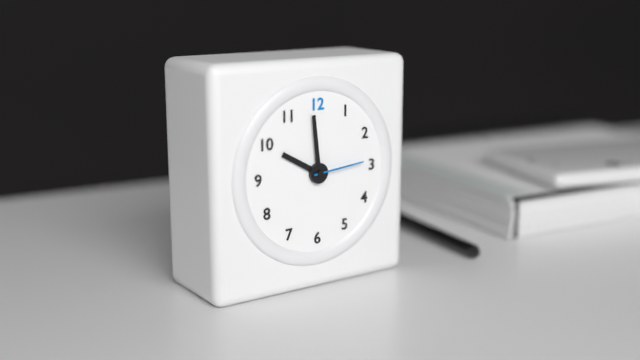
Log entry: 9:59:14
